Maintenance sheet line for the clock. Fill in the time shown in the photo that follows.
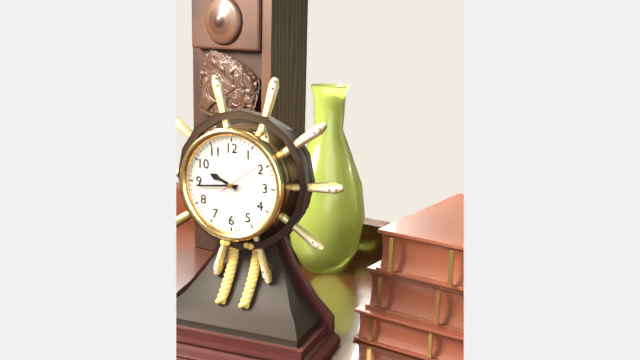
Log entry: 9:44:09
